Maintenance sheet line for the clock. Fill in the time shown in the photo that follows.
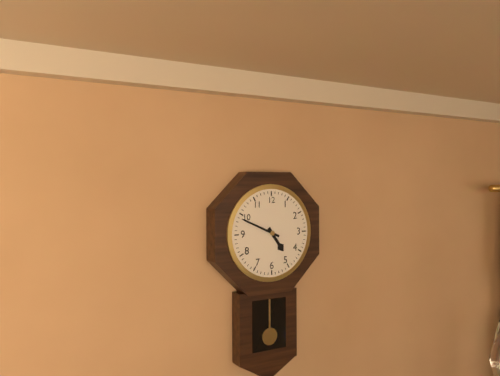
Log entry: 4:49
